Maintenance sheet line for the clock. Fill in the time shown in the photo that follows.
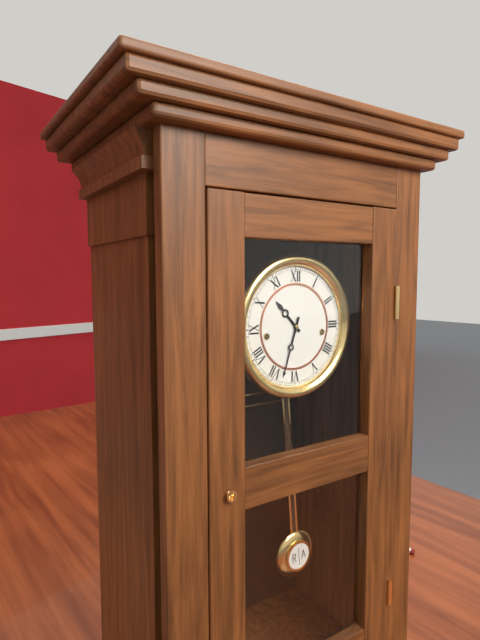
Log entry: 10:33
